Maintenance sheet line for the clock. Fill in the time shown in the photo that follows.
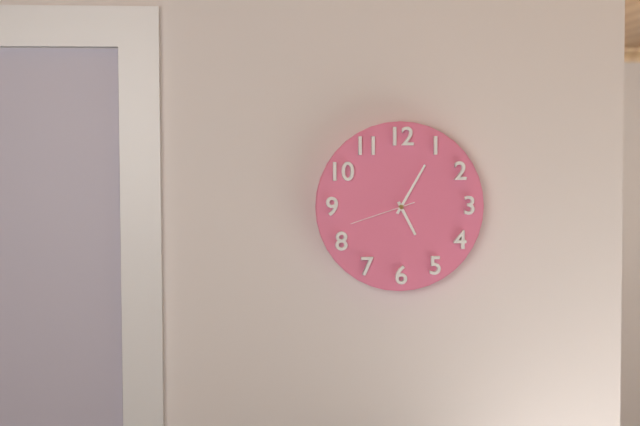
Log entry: 5:05:42
